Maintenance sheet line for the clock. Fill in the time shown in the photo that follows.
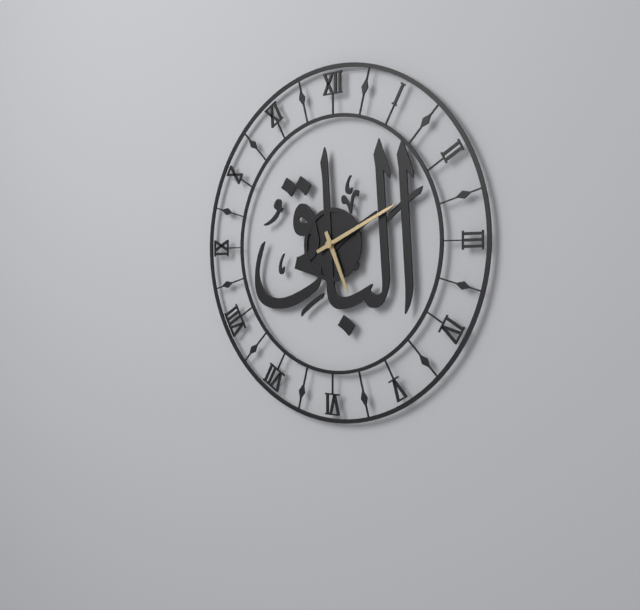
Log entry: 5:11
